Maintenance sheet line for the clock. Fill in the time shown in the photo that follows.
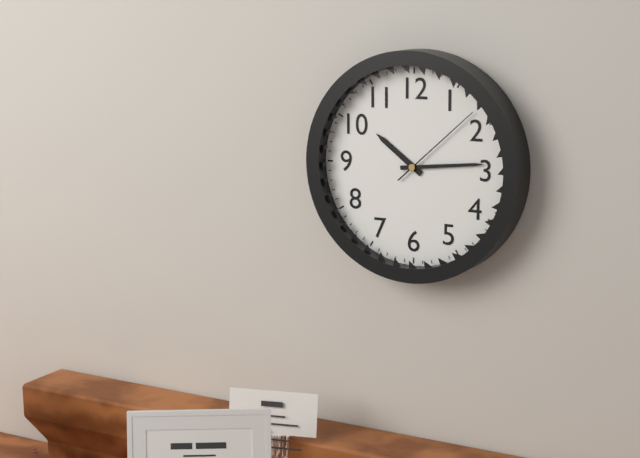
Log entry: 10:14:08
